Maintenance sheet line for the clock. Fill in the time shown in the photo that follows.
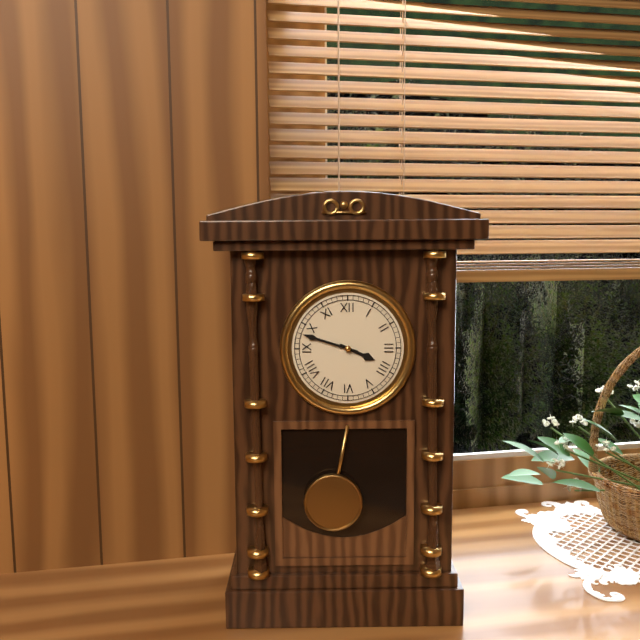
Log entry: 3:48
